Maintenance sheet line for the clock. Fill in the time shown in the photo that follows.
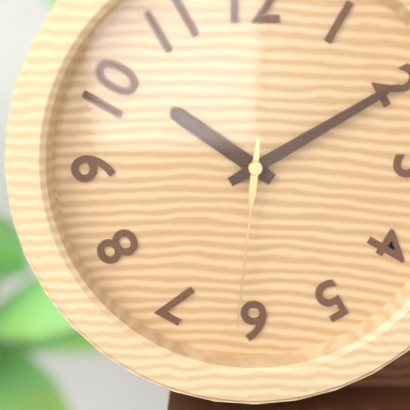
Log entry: 10:10:31
